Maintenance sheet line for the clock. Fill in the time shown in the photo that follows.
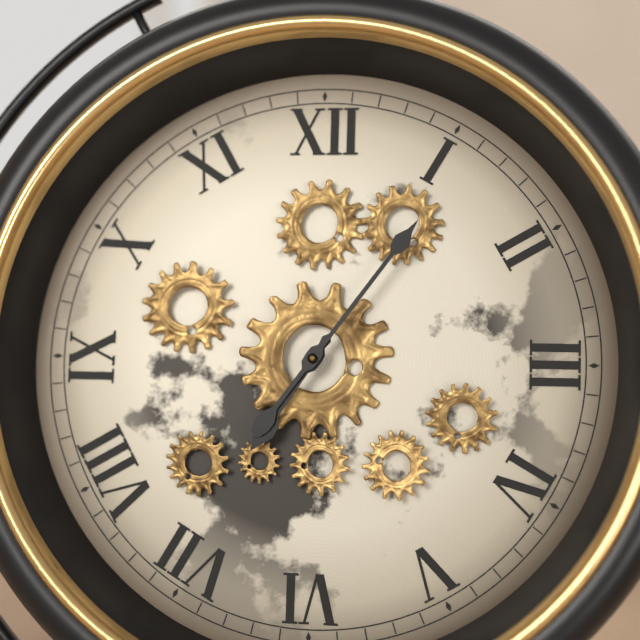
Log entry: 7:06
